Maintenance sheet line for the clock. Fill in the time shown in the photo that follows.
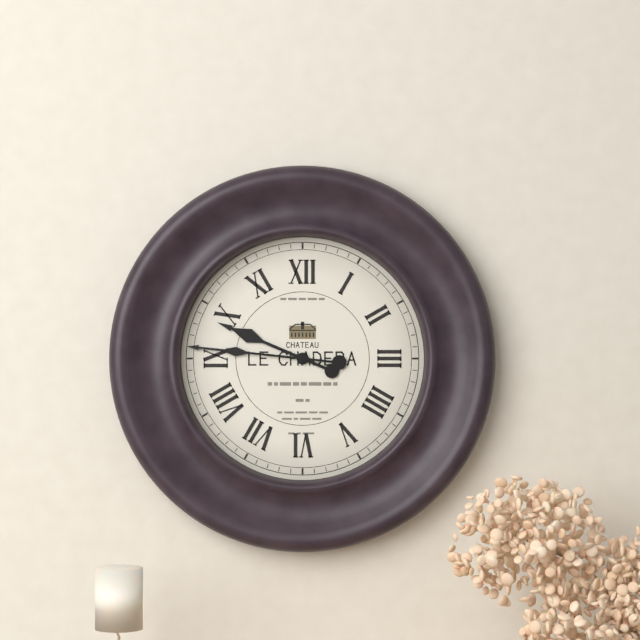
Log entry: 9:46
